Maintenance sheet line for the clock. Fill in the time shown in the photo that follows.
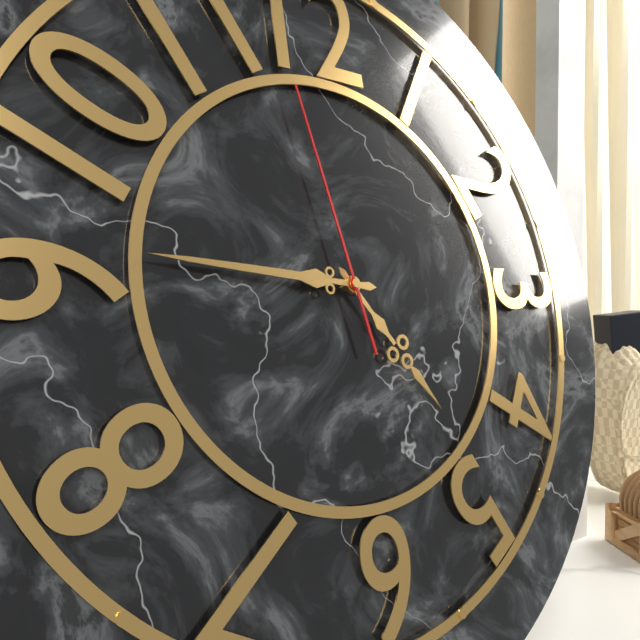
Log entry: 4:46:58
